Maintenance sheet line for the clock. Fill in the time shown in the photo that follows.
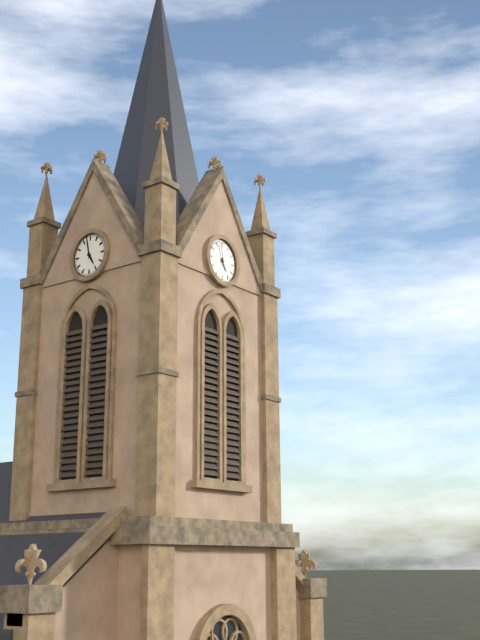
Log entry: 4:58
